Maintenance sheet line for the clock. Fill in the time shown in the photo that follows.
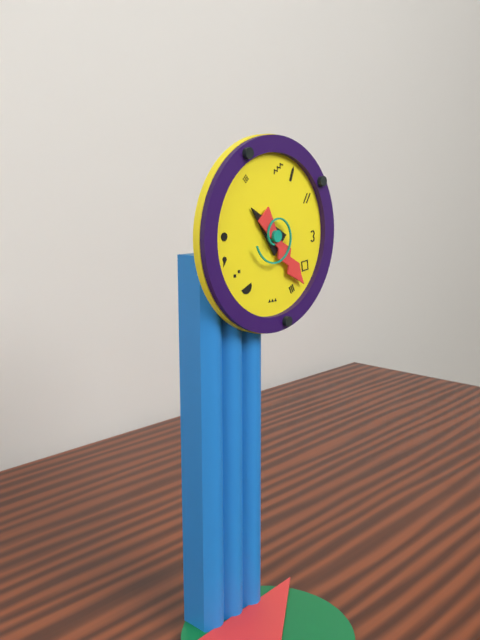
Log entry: 10:23
